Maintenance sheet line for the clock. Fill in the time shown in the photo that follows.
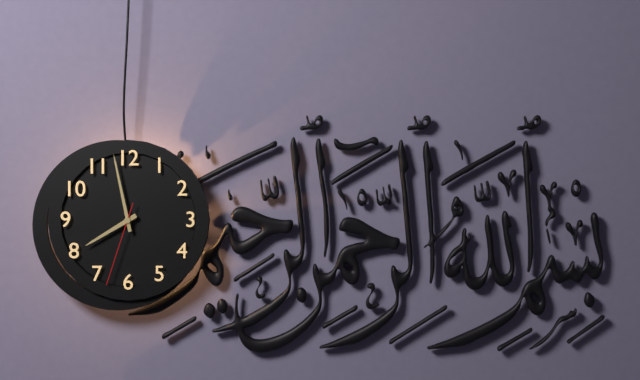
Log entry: 7:58:33
